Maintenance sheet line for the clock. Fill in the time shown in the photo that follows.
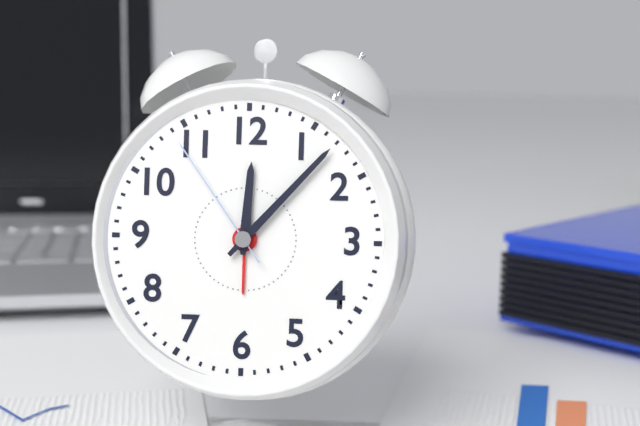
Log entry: 12:07:54
